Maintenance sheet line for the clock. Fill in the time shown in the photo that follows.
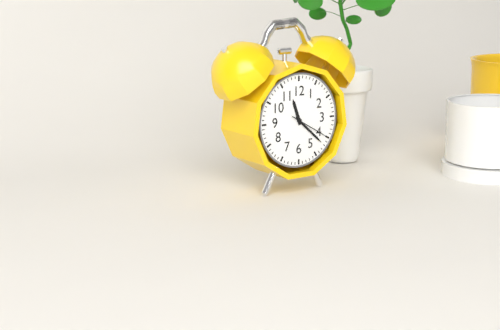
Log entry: 11:22
